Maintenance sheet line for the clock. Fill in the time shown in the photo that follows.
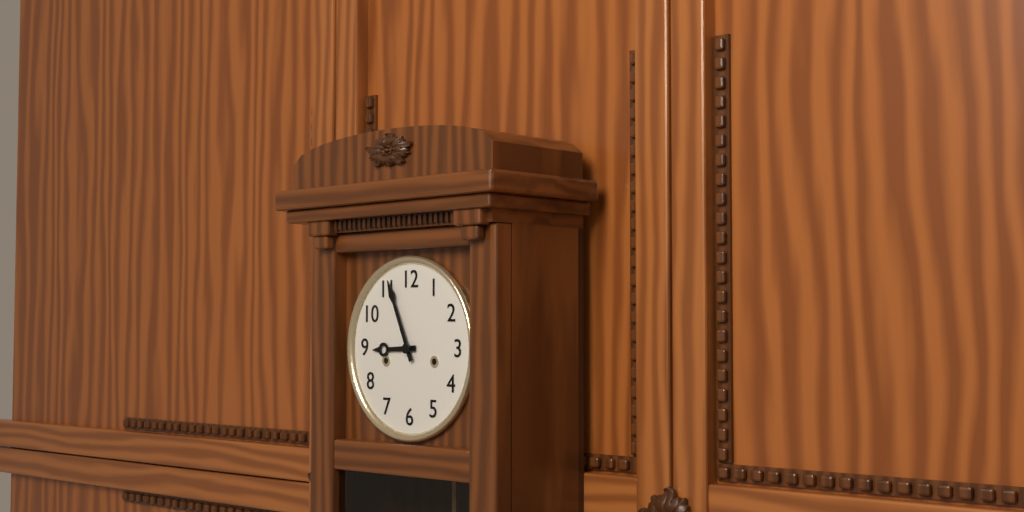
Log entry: 8:56
